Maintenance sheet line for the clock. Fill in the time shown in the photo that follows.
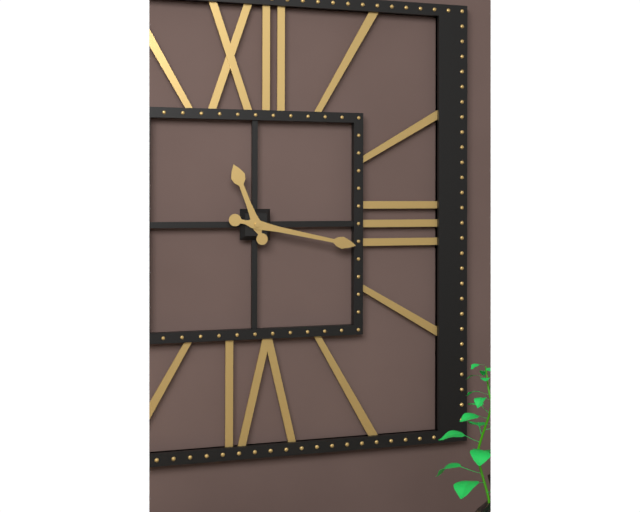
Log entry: 11:17
